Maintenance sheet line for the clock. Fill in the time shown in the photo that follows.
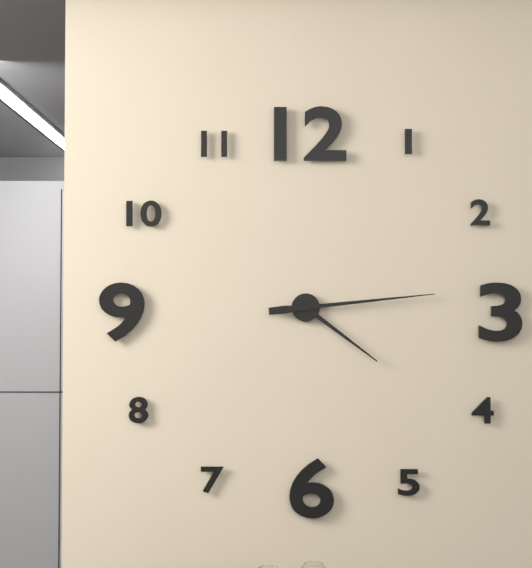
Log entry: 4:14
